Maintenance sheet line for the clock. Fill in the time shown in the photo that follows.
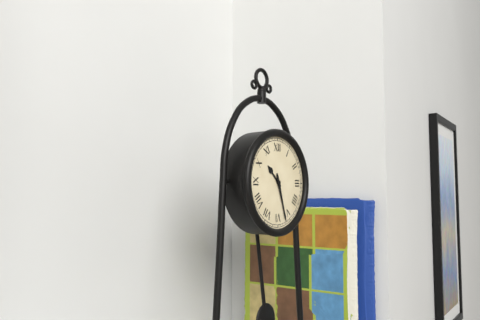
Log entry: 10:27
